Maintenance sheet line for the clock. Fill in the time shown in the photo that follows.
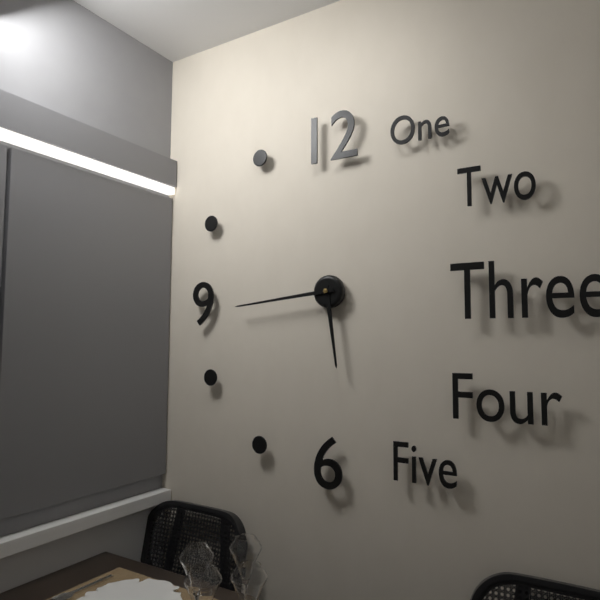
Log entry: 5:44
